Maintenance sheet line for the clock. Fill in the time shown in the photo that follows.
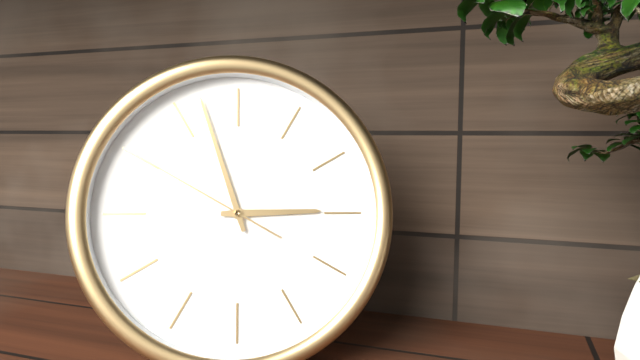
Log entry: 2:57:50
